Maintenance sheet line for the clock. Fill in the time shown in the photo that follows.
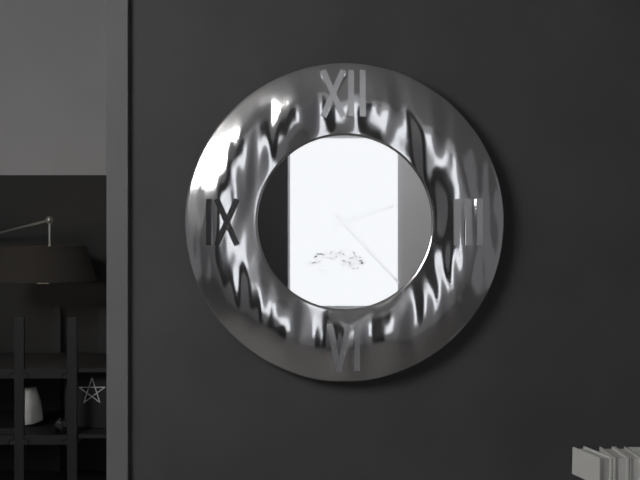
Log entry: 2:23
